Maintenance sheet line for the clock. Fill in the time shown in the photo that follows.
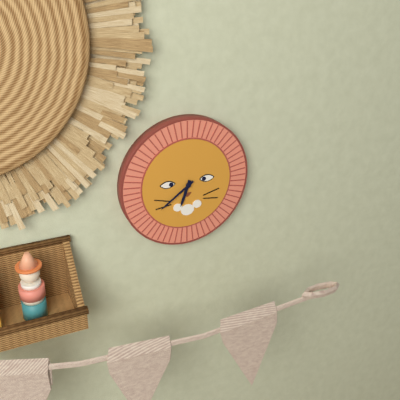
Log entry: 6:39
